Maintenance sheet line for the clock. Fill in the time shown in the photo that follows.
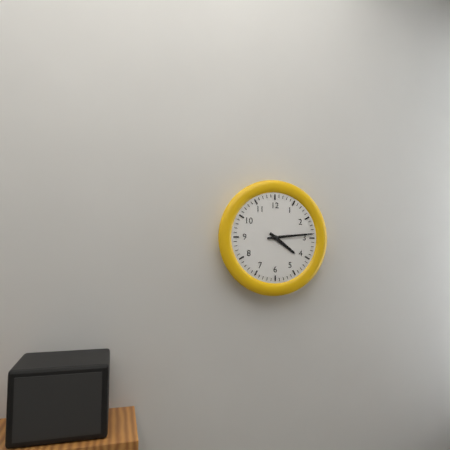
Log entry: 4:14
